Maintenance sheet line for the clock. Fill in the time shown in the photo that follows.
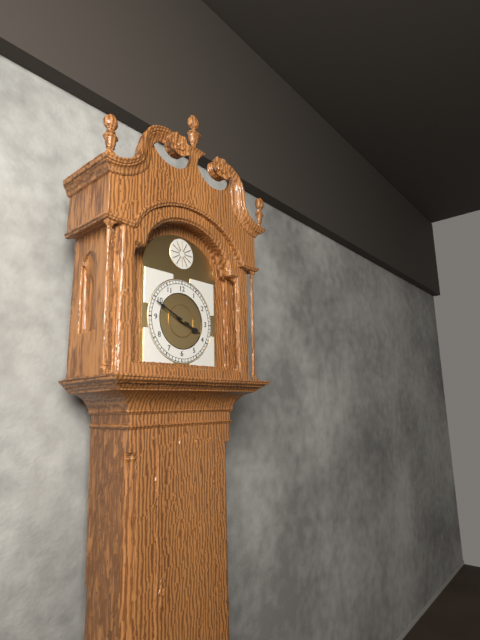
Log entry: 3:49
